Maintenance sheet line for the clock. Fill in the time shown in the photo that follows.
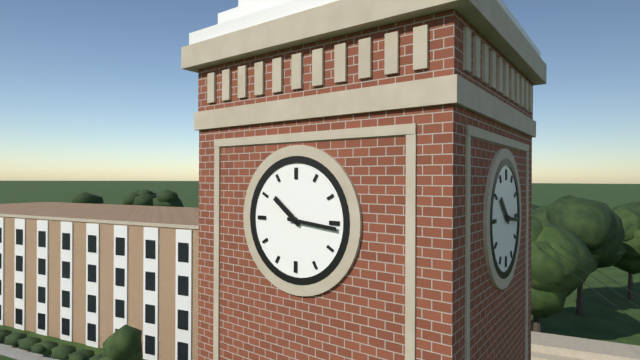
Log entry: 10:16
